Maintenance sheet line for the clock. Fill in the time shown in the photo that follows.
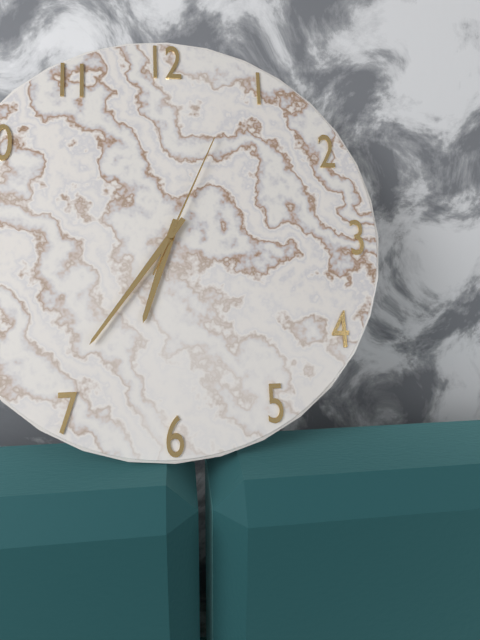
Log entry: 6:36:04
